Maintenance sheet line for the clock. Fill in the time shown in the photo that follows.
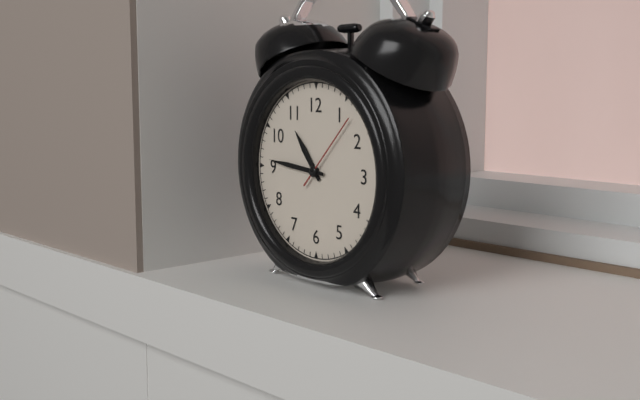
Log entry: 10:46:07
